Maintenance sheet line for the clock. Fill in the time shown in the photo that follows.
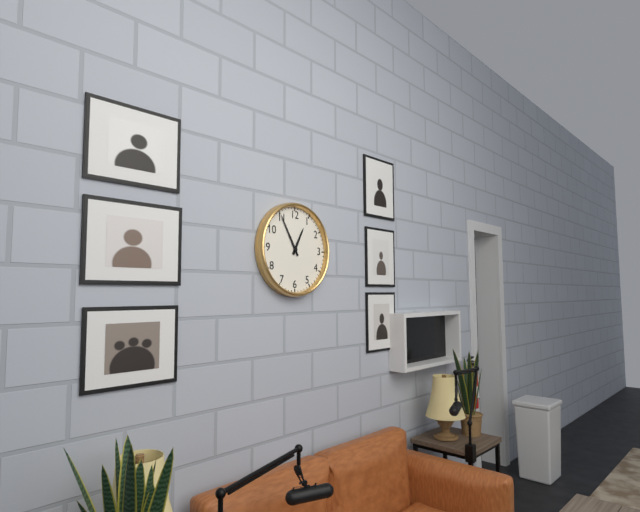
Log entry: 12:55
